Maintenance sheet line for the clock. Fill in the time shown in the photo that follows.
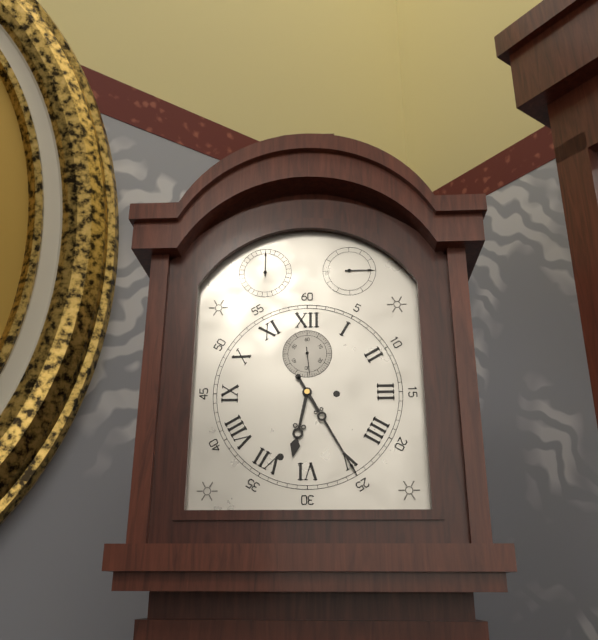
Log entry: 6:25
